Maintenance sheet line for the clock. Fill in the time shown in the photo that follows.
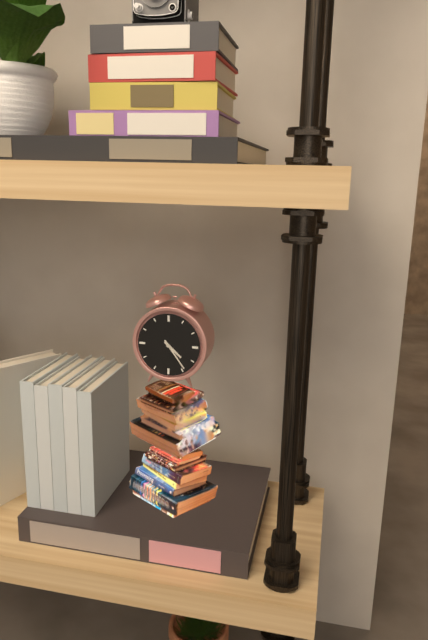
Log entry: 4:24
